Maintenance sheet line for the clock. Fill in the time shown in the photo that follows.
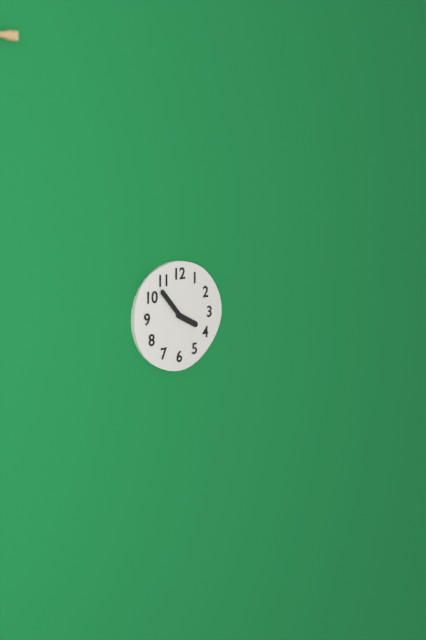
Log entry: 3:53
